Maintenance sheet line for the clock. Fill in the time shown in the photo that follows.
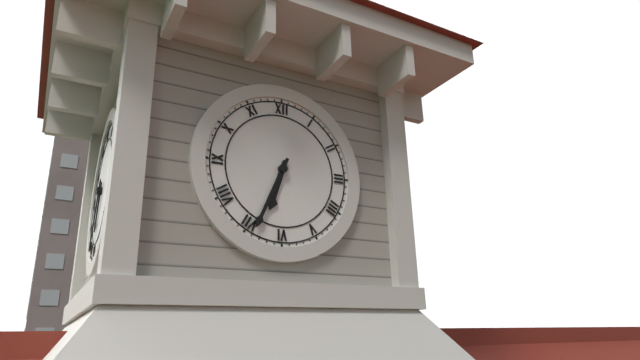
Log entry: 6:34
